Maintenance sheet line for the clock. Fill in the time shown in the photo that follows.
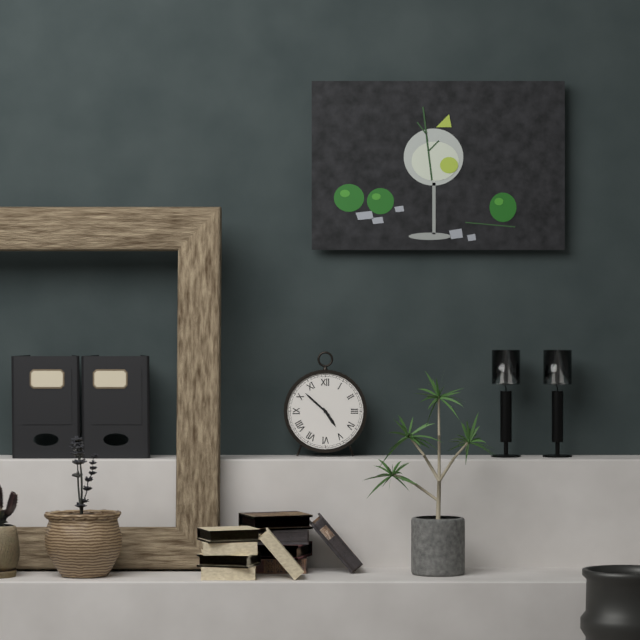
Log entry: 4:52
